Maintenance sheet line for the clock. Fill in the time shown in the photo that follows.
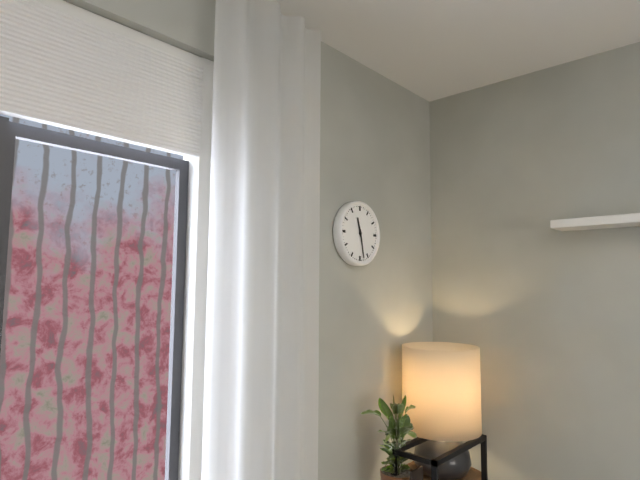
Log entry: 11:28
